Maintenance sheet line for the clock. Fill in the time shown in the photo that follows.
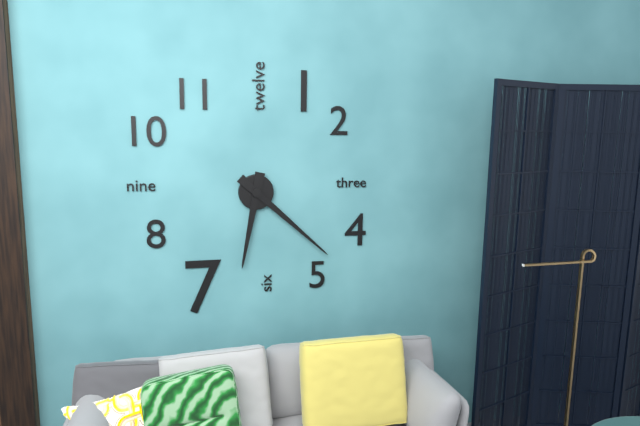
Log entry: 6:22
